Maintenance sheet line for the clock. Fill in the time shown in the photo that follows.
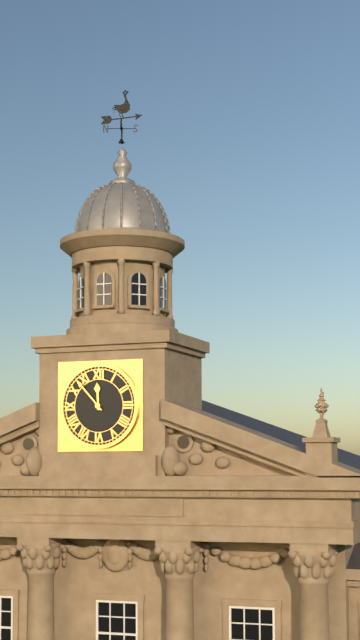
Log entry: 11:53
